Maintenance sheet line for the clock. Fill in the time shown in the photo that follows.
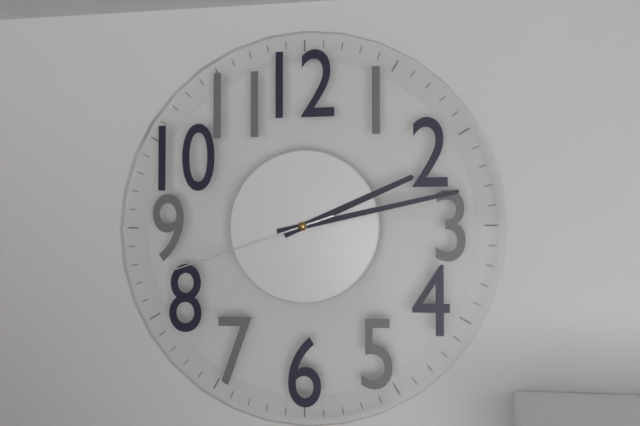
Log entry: 2:13:42
